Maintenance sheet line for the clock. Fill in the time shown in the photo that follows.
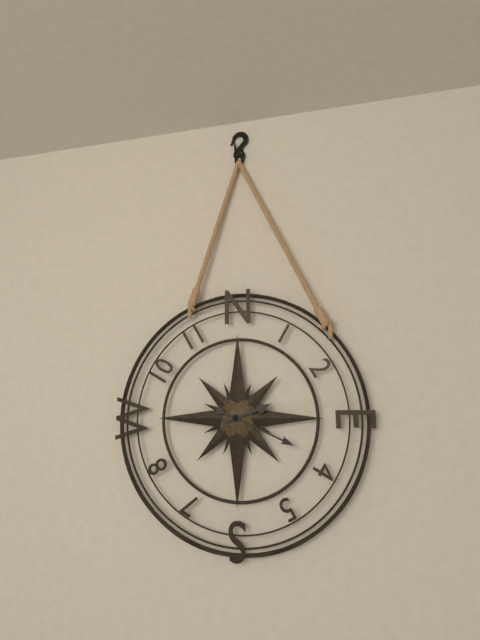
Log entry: 2:19
